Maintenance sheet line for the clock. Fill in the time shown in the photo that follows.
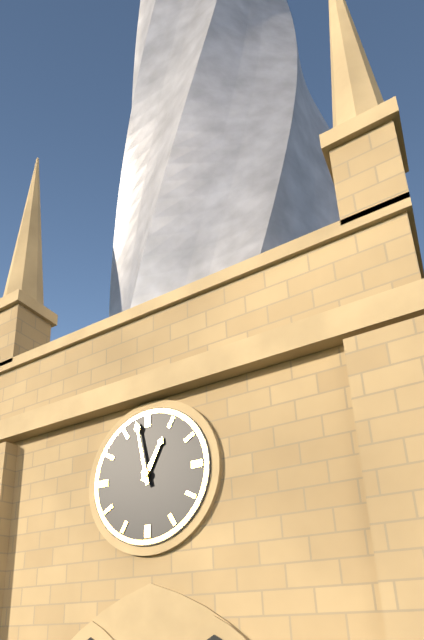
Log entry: 12:58
